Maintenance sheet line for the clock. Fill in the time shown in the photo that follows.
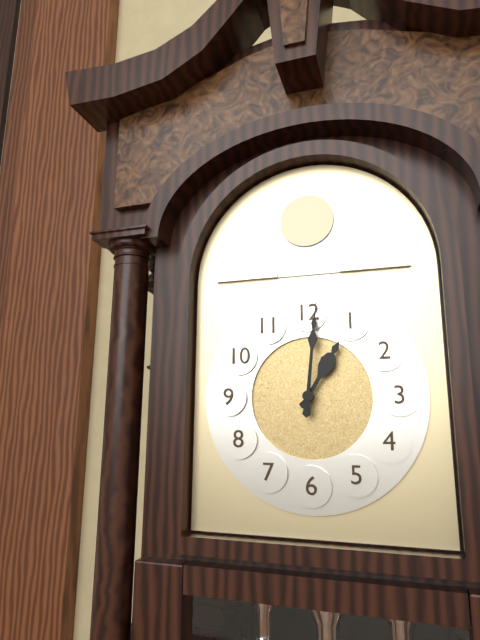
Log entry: 1:01
